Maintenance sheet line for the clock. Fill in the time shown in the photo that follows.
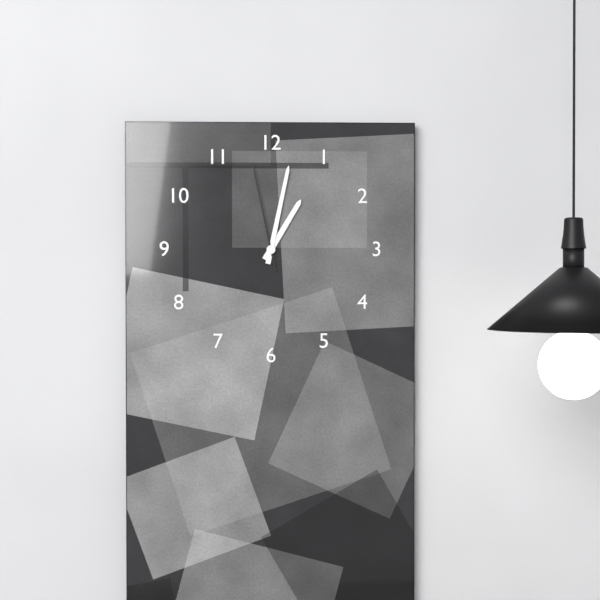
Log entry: 1:02:58
